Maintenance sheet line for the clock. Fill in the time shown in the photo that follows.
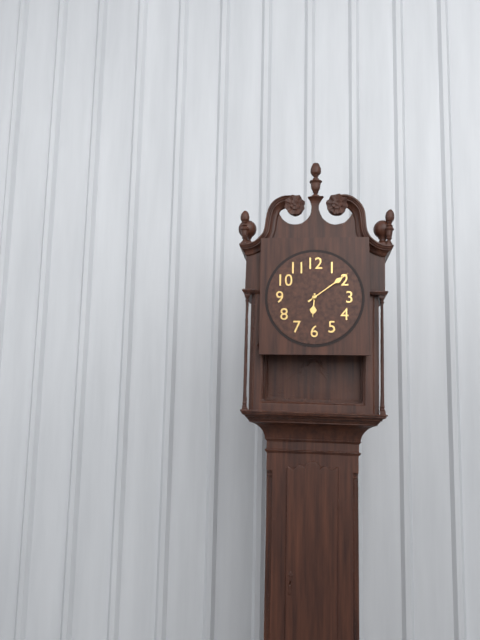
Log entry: 6:09
